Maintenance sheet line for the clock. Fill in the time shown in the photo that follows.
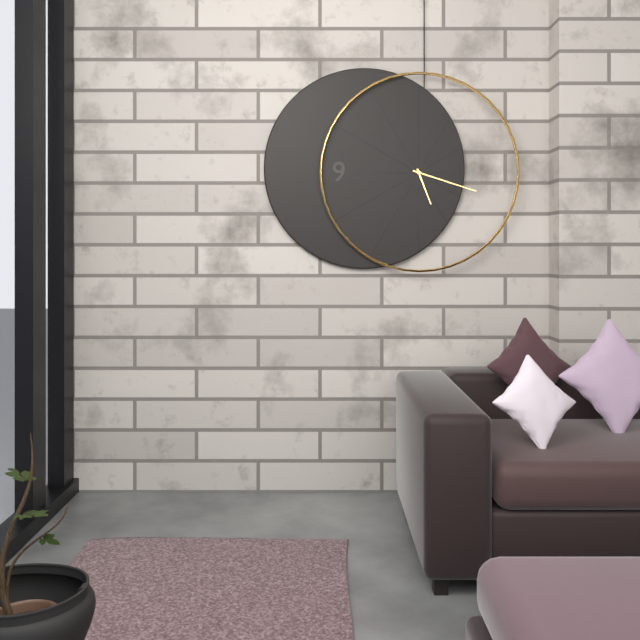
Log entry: 5:18
